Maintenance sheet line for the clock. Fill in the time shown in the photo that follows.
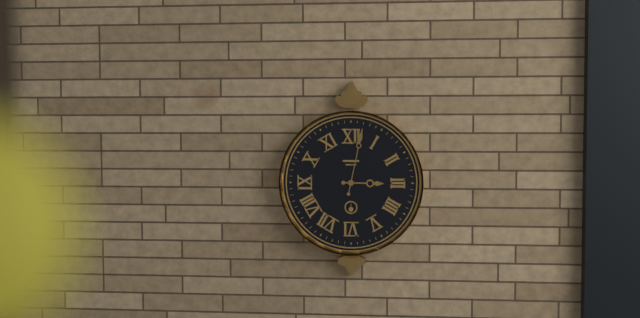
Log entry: 3:02
